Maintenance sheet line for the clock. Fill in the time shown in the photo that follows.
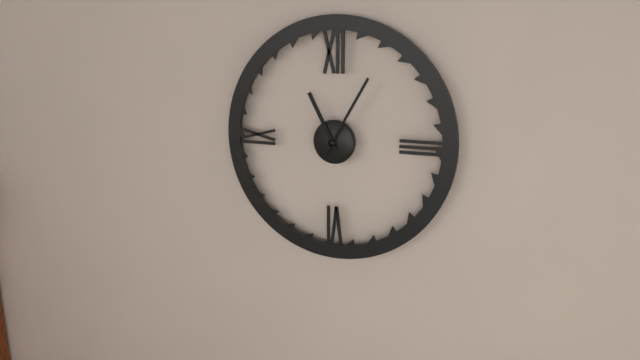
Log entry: 11:05
